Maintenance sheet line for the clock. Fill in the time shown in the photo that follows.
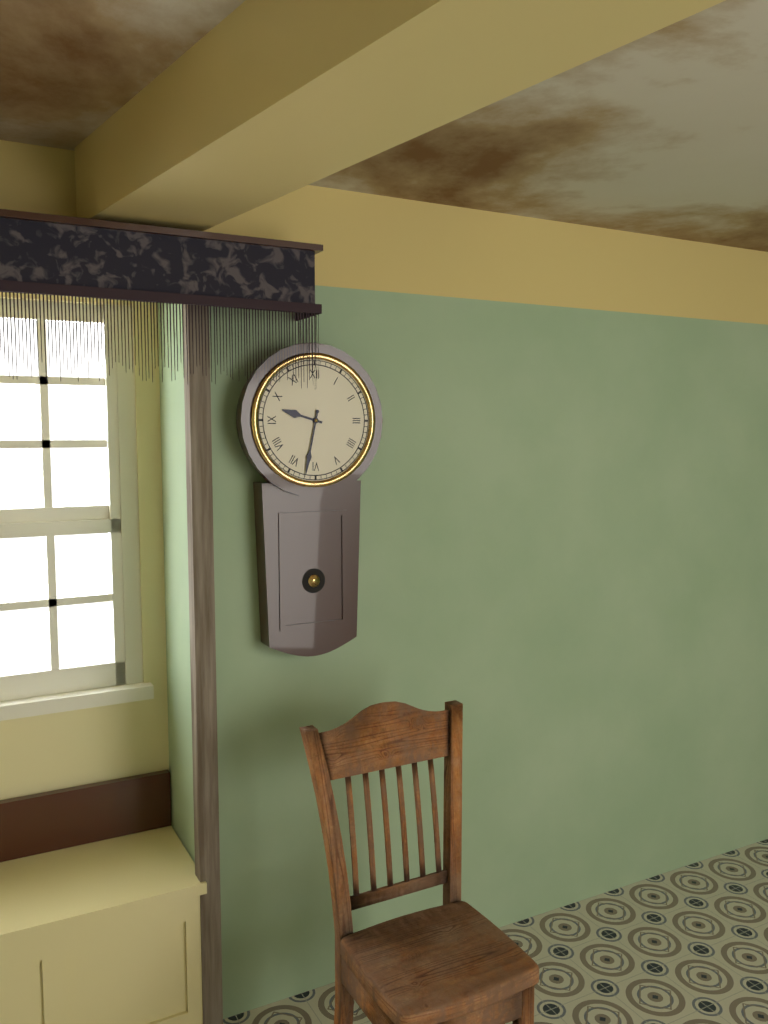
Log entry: 9:32
